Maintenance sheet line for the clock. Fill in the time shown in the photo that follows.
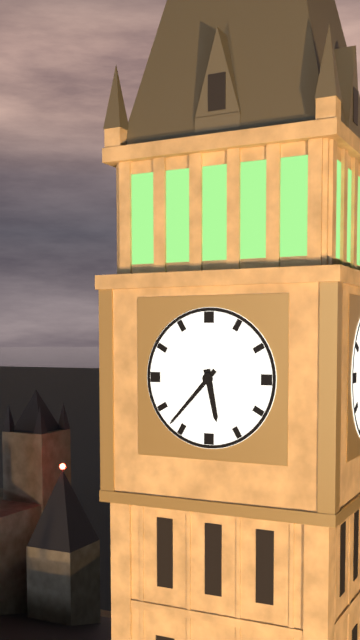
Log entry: 5:37
